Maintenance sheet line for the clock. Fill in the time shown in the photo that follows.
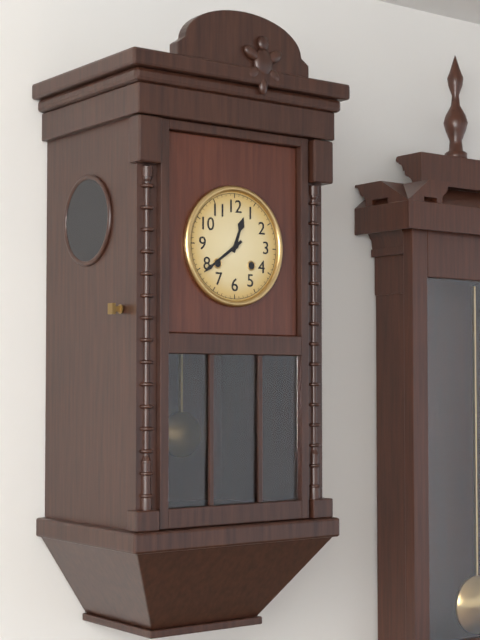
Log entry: 12:39
